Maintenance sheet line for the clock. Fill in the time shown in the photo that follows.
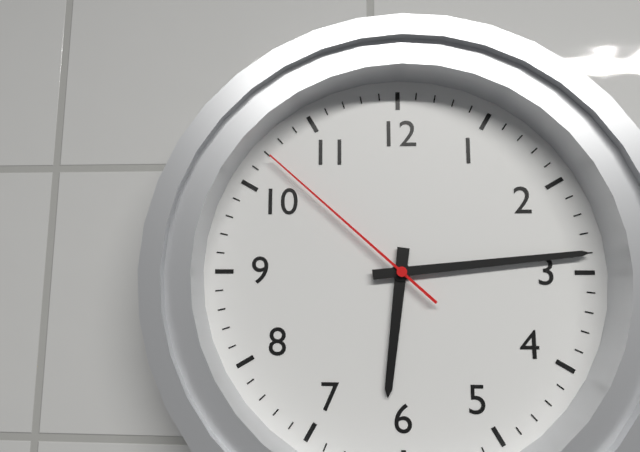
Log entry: 6:14:52
